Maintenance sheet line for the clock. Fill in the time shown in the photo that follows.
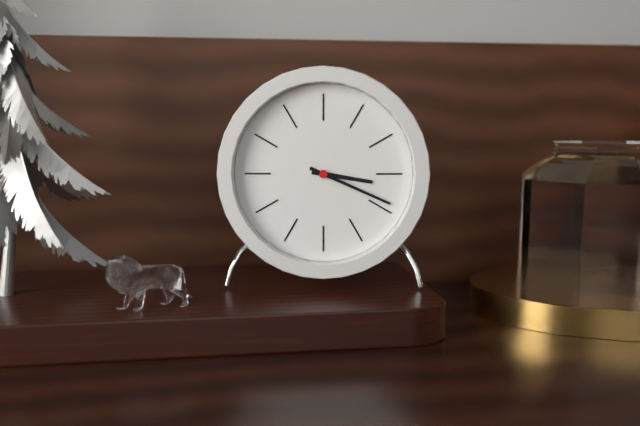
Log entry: 3:19
